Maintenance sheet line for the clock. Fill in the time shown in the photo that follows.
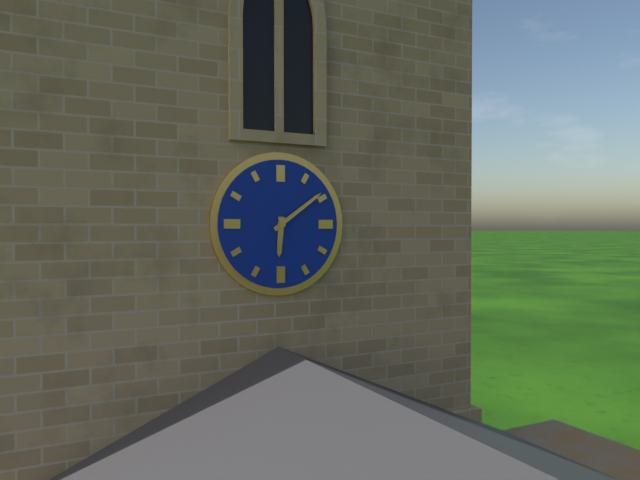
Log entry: 6:09
